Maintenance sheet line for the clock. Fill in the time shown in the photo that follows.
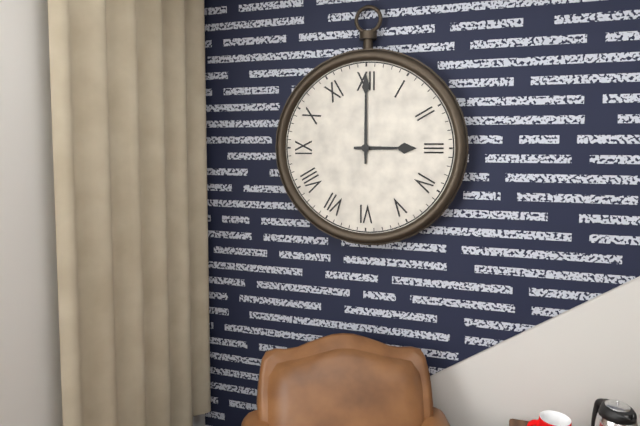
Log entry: 3:00
